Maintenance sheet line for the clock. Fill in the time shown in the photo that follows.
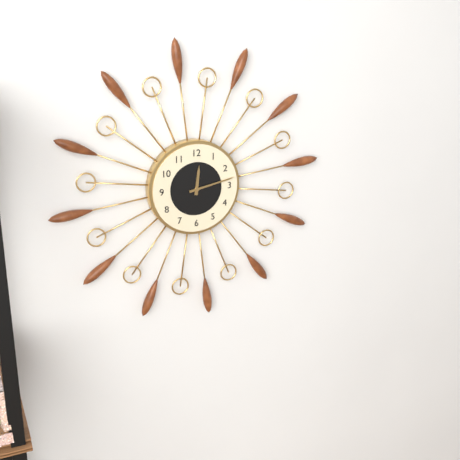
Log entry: 12:13
